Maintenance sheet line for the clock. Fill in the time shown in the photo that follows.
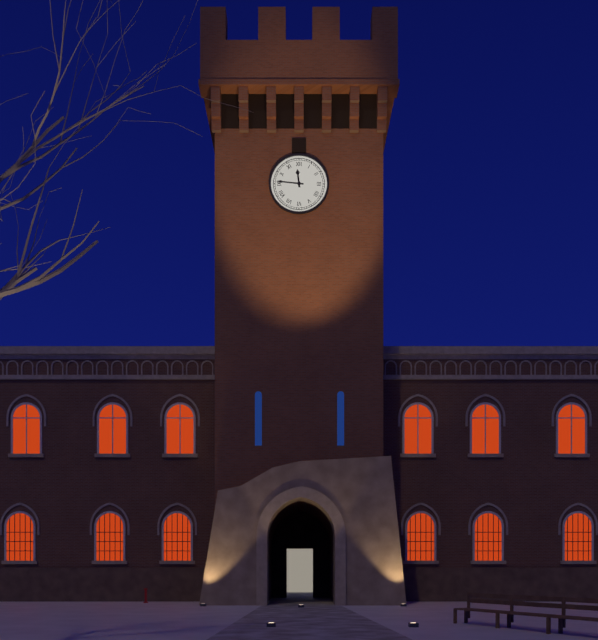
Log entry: 11:46
